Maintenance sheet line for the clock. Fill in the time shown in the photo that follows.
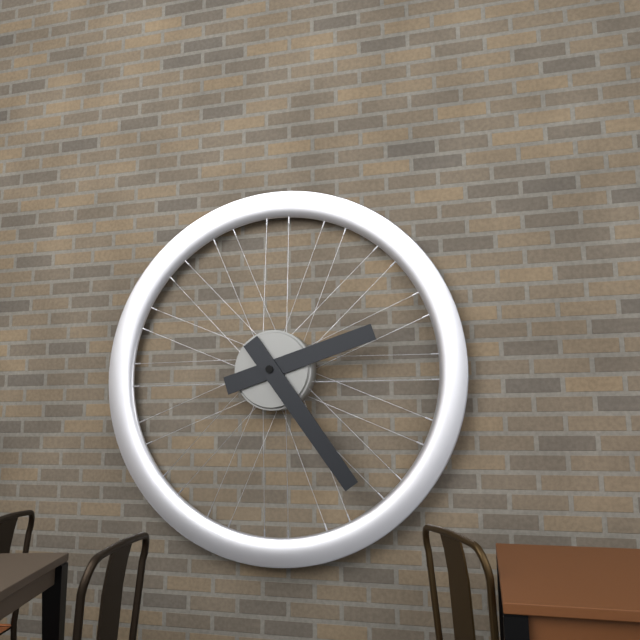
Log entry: 2:24
